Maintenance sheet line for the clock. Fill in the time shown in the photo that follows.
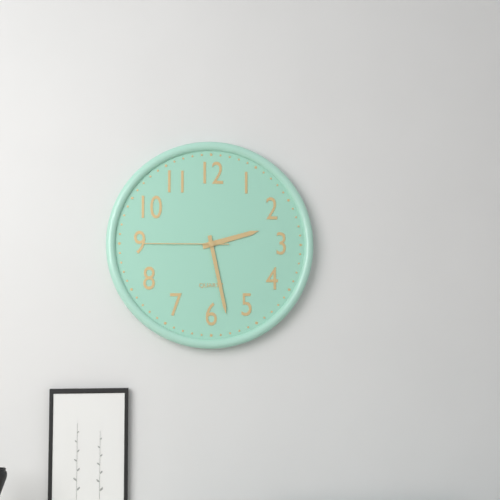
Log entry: 2:28:45
